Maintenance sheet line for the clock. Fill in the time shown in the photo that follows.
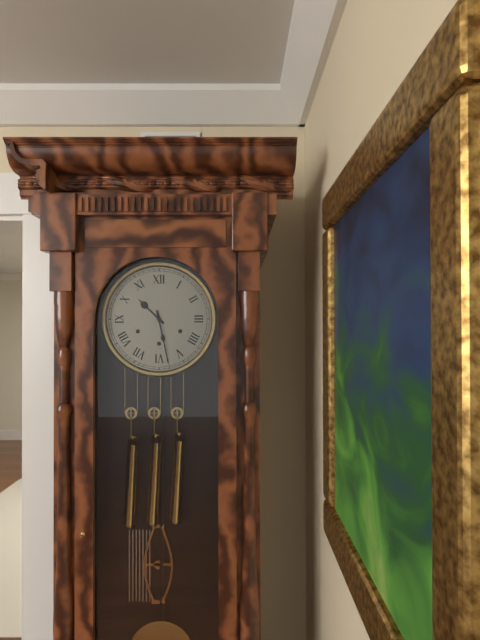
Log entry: 10:28
